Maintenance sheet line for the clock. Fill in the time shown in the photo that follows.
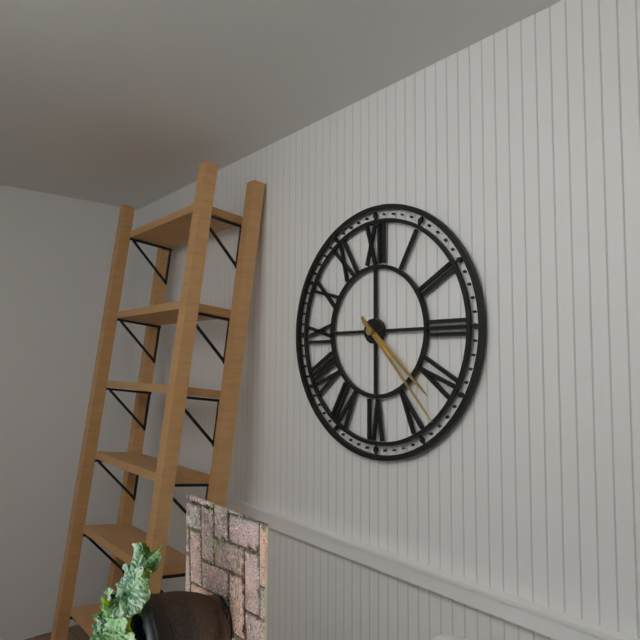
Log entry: 4:23
